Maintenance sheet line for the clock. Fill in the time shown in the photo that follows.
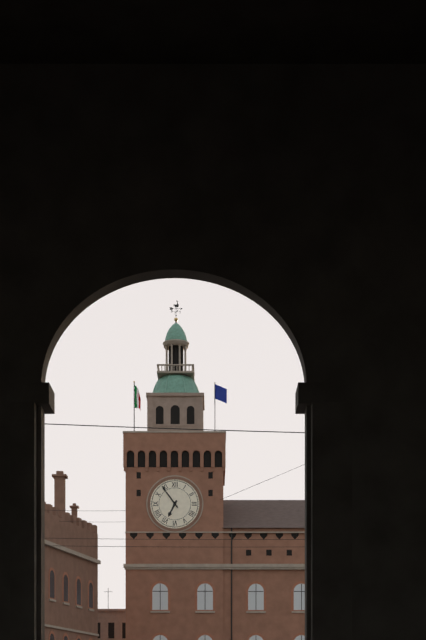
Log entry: 6:54
